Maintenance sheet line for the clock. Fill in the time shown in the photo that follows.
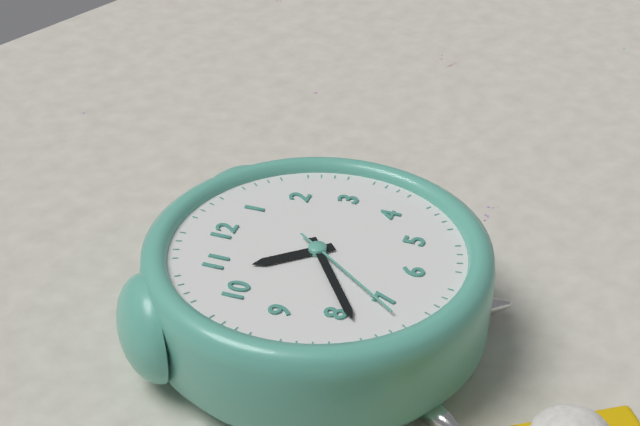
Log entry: 10:39:36
